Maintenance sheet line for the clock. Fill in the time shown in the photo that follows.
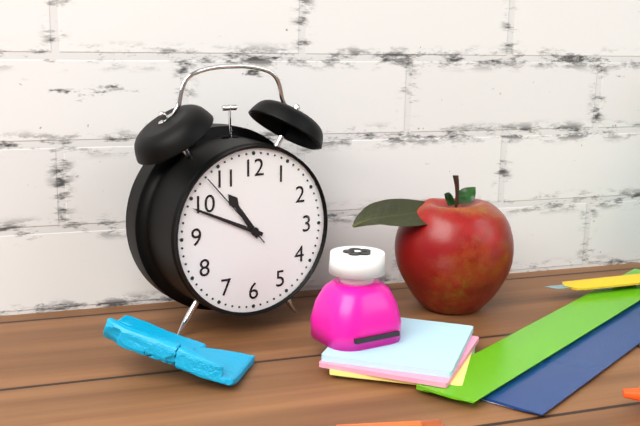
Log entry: 10:49:53
